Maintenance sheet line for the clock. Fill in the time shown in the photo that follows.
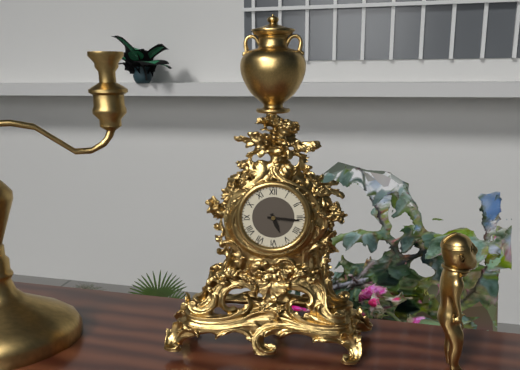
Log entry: 5:16
